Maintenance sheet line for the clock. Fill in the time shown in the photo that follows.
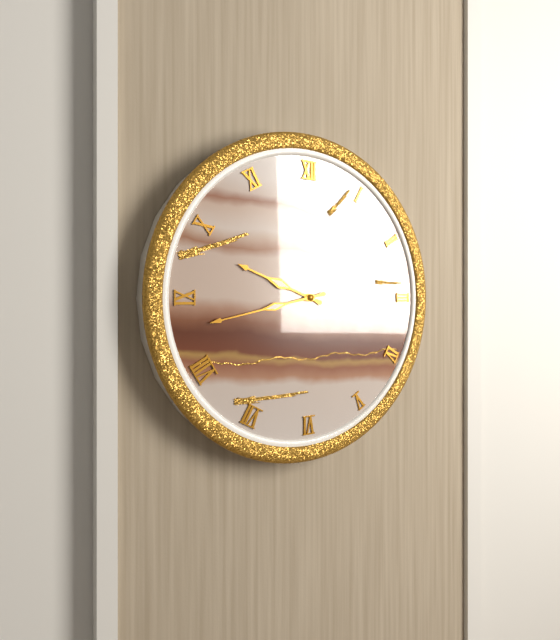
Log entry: 9:43
